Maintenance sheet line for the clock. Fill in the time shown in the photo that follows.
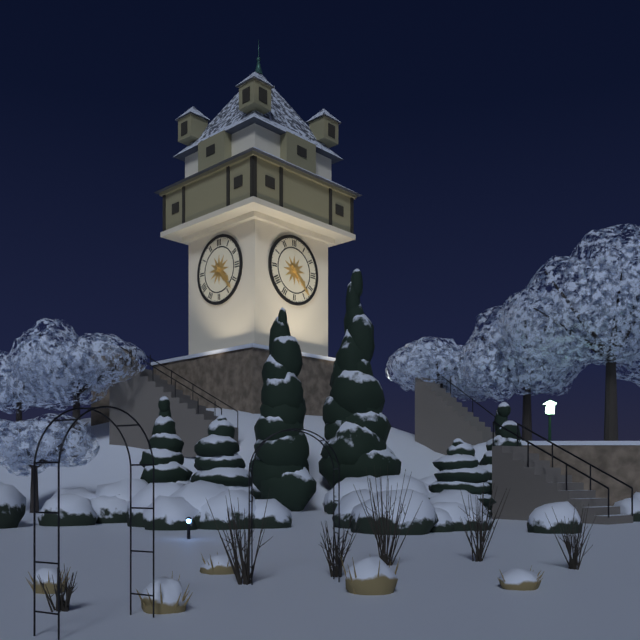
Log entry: 4:23
